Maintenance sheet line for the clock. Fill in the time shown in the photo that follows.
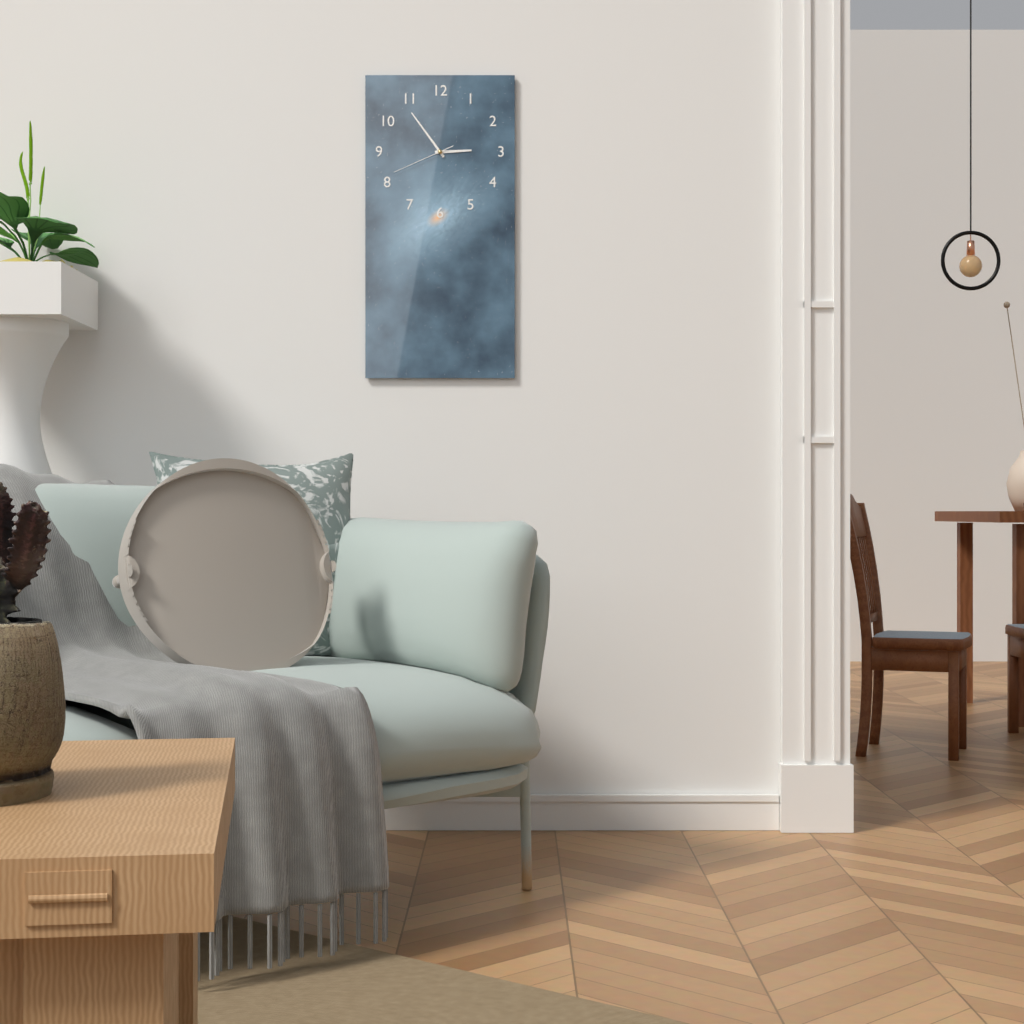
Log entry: 2:54:41
